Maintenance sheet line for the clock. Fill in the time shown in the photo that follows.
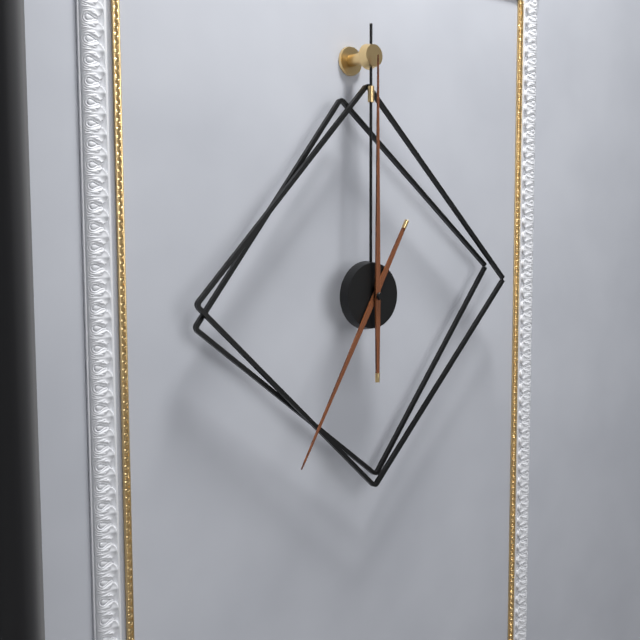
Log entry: 7:00
